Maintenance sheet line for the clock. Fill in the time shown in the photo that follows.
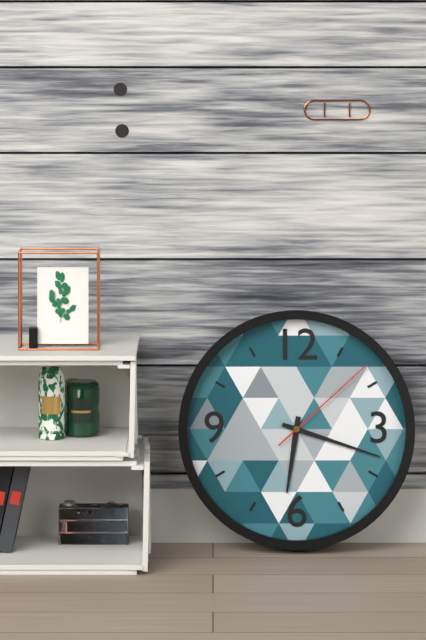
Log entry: 6:18:08
